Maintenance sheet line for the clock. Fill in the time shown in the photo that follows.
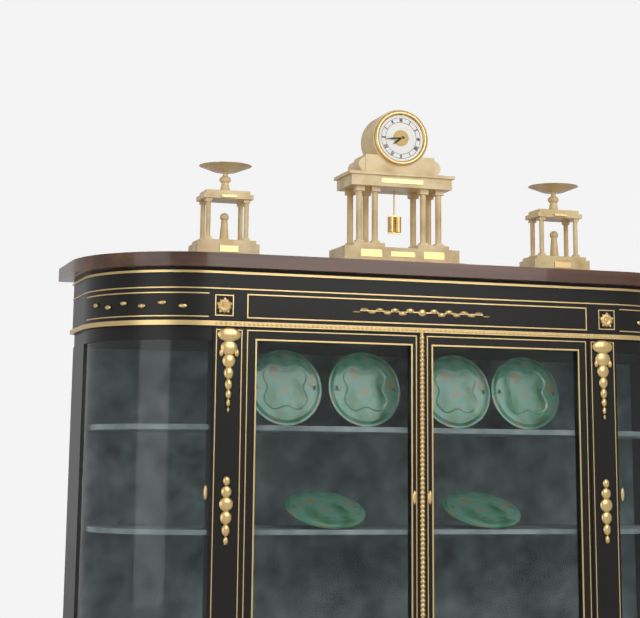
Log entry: 7:44
